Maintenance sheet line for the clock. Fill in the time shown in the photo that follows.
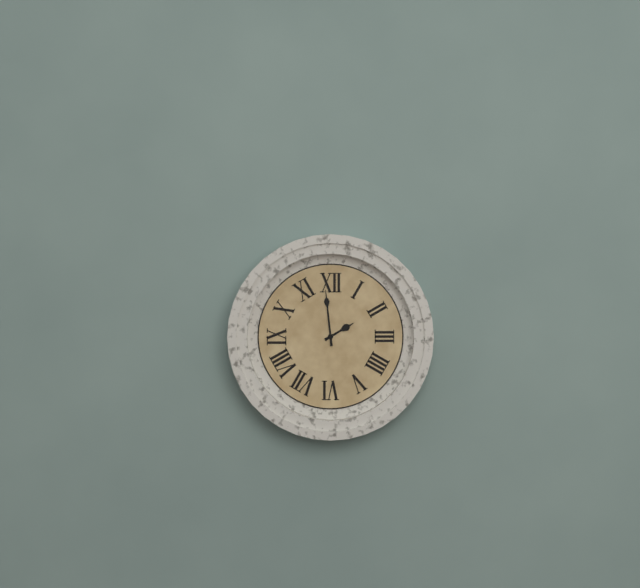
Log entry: 1:59
